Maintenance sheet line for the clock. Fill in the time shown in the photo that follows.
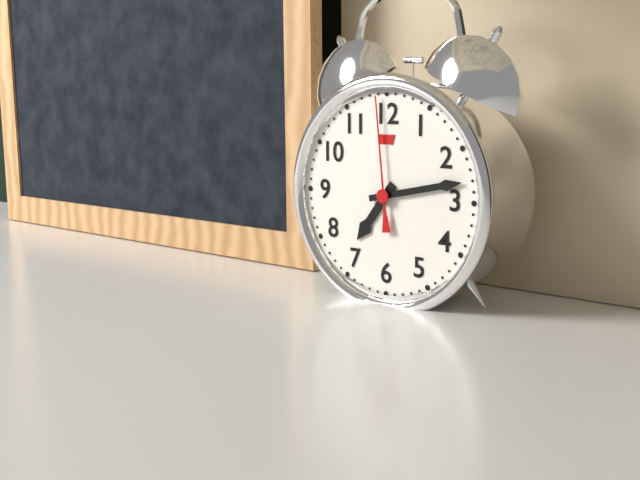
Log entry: 7:13:59
